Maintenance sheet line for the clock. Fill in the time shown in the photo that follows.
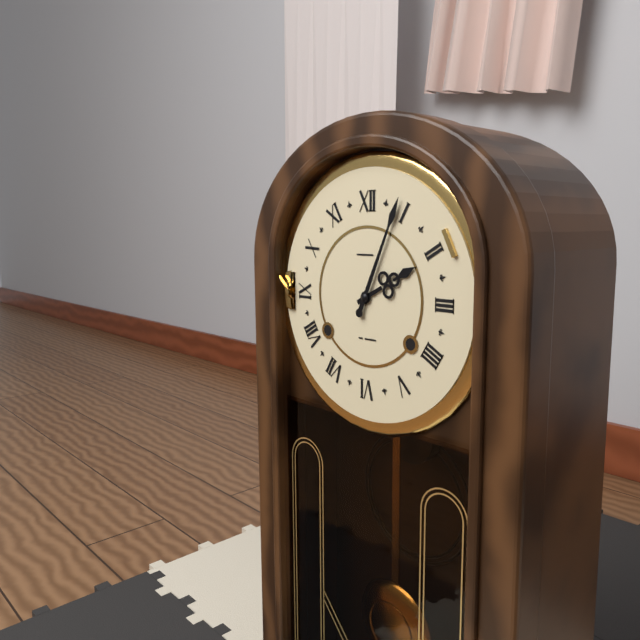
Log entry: 2:04
